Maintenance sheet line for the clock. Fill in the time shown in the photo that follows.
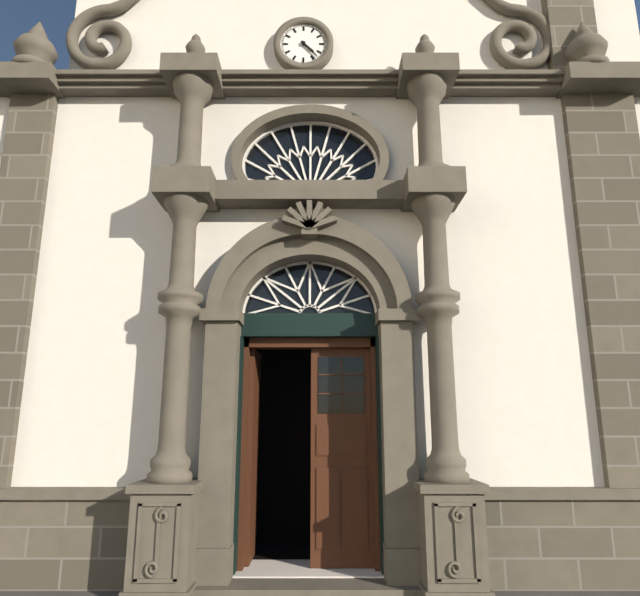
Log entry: 4:23
